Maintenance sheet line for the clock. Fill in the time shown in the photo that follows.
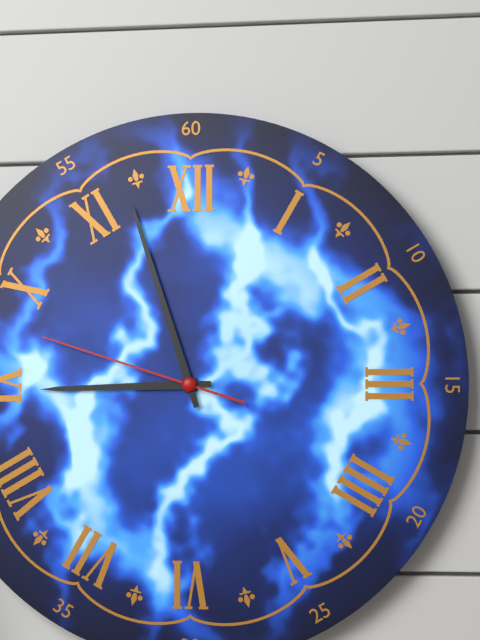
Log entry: 8:57:48
